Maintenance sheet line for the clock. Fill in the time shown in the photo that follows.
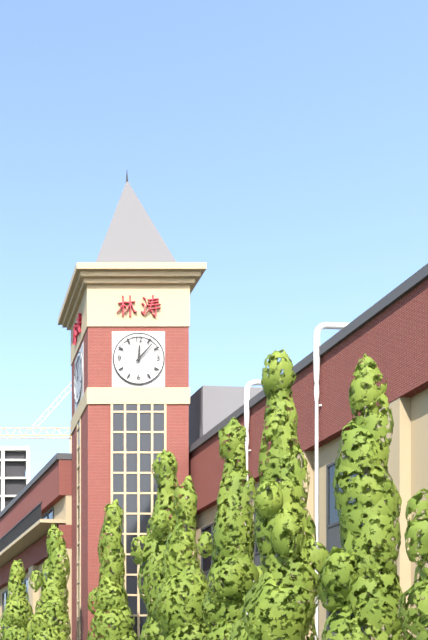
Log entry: 12:07
